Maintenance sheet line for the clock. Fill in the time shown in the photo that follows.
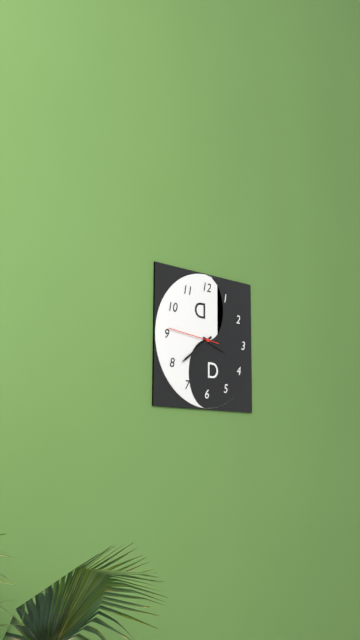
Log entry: 3:39:46
